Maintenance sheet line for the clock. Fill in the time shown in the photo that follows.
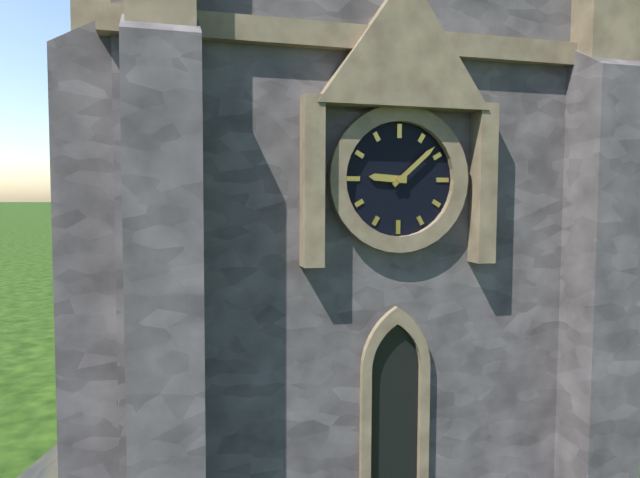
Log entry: 9:08
